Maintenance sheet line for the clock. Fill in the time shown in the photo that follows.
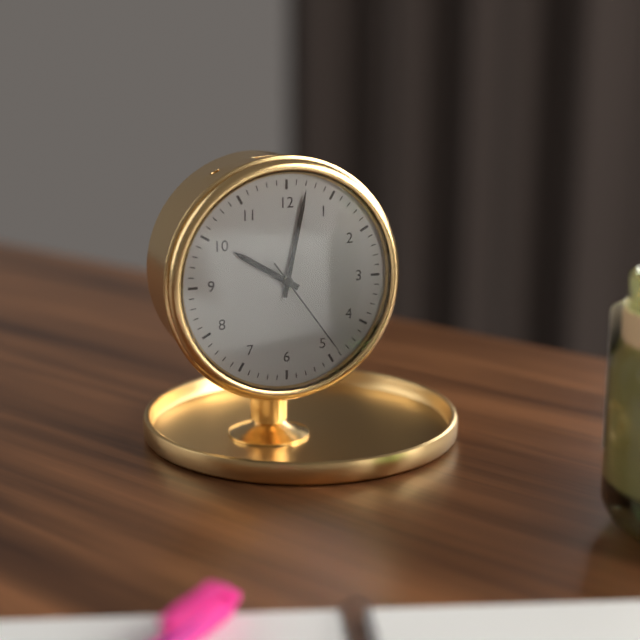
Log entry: 10:02:24
